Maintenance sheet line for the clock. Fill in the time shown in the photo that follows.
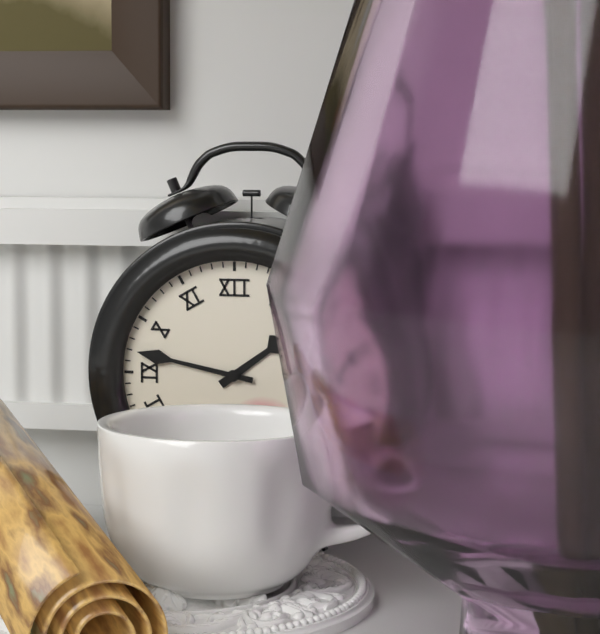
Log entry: 1:47
